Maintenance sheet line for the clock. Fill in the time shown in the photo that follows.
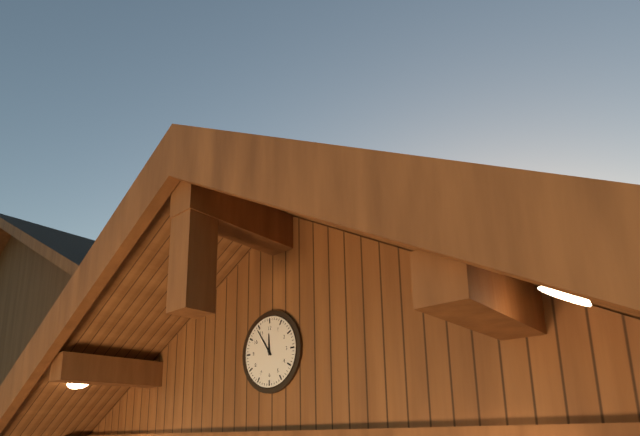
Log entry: 11:54
